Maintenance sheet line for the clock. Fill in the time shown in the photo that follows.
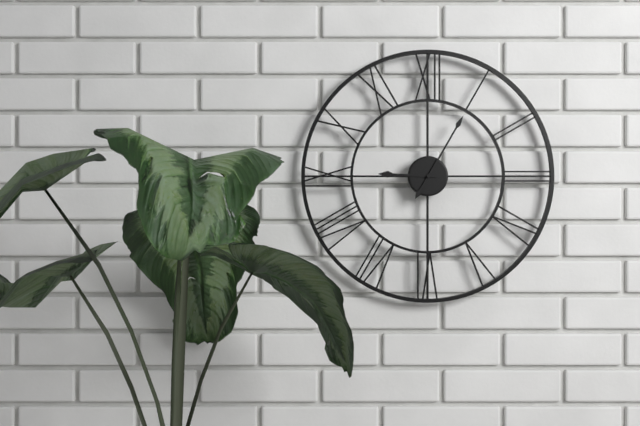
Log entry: 9:05
